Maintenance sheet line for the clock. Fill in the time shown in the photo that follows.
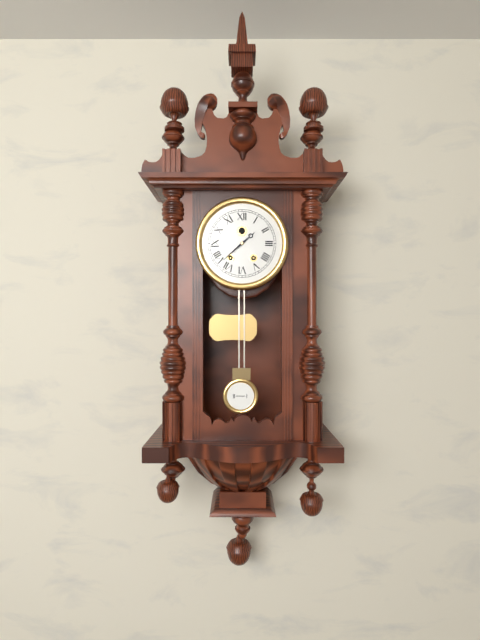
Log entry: 1:38
